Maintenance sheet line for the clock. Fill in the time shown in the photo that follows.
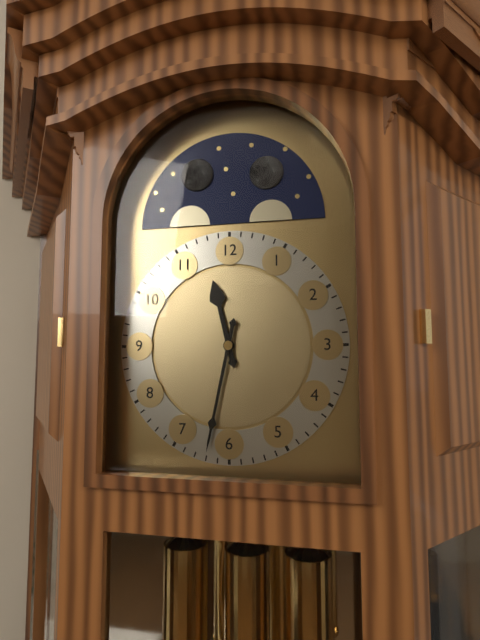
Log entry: 11:32
